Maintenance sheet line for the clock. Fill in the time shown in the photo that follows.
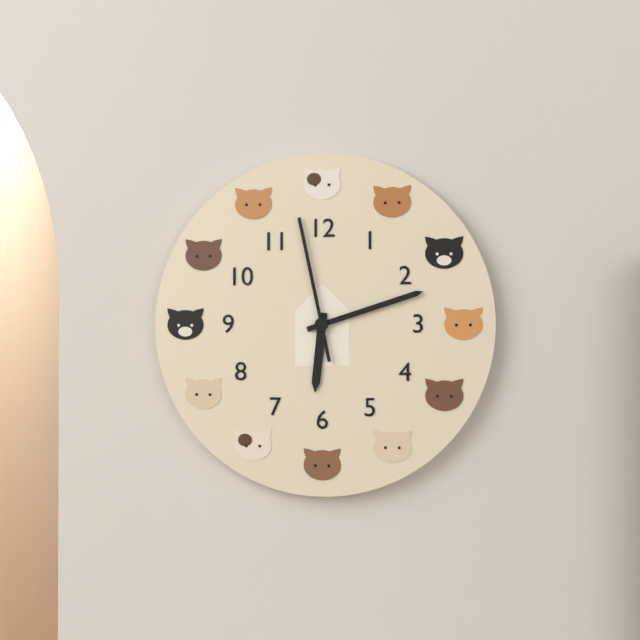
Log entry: 6:12:58
